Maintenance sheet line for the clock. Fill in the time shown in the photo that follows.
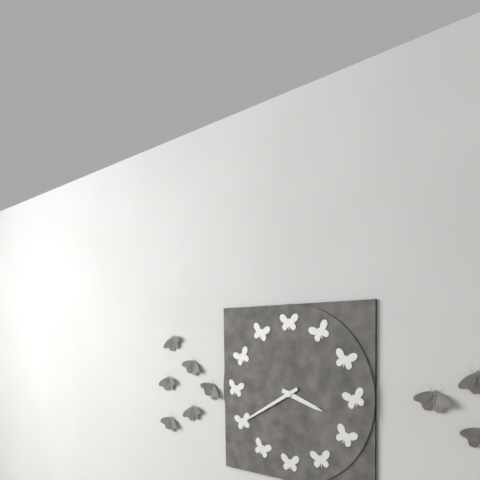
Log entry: 3:40
